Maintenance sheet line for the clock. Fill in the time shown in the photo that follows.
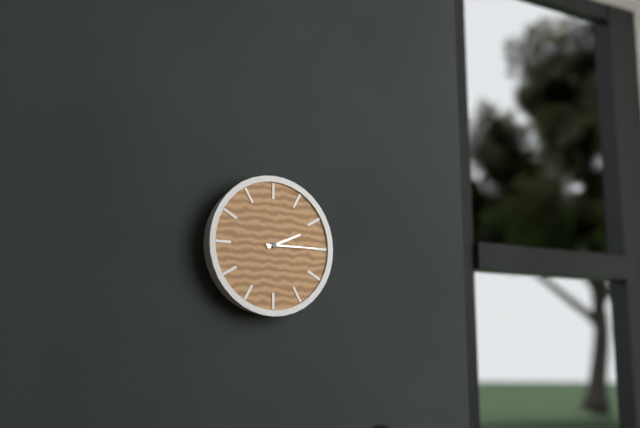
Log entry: 2:15
